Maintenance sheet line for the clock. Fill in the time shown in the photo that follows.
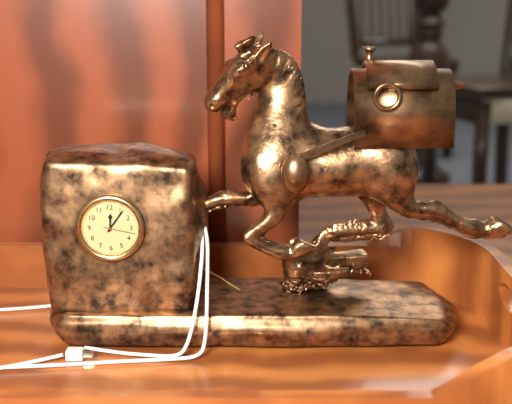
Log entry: 12:06
